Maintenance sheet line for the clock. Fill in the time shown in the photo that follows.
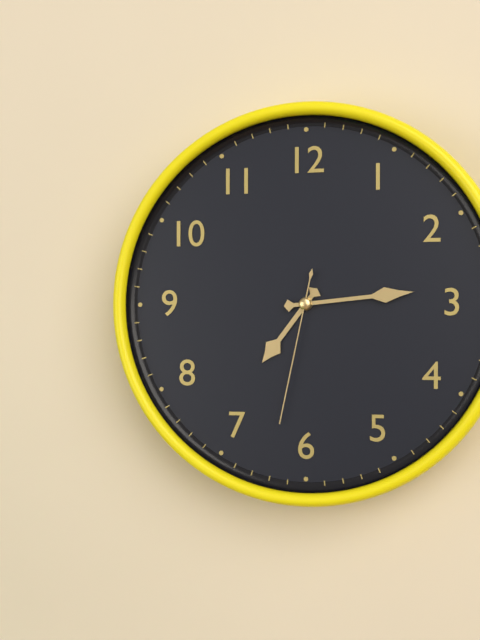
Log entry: 7:14:32
